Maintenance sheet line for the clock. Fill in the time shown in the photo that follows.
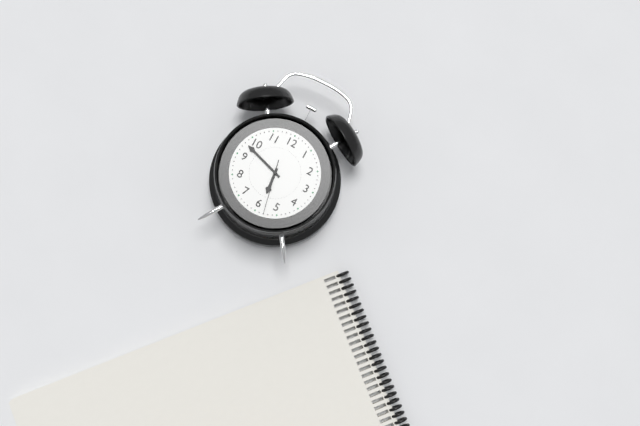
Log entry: 5:48:28
